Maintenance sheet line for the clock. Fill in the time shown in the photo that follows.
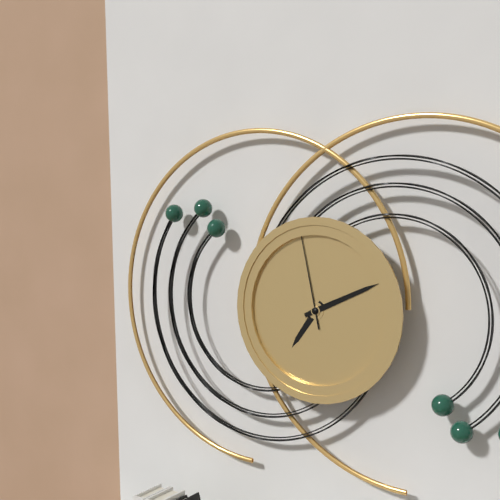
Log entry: 7:11:58
